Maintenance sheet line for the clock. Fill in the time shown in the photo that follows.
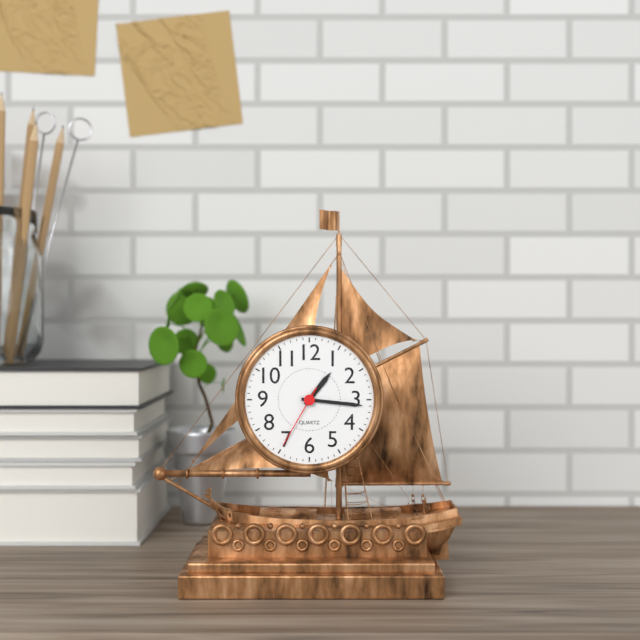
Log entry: 1:16:35
